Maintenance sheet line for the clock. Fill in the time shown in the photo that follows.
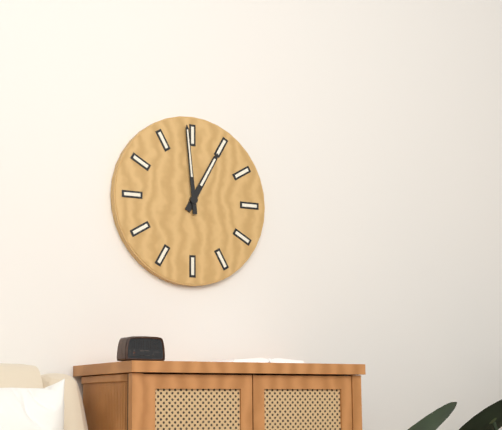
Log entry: 12:59
